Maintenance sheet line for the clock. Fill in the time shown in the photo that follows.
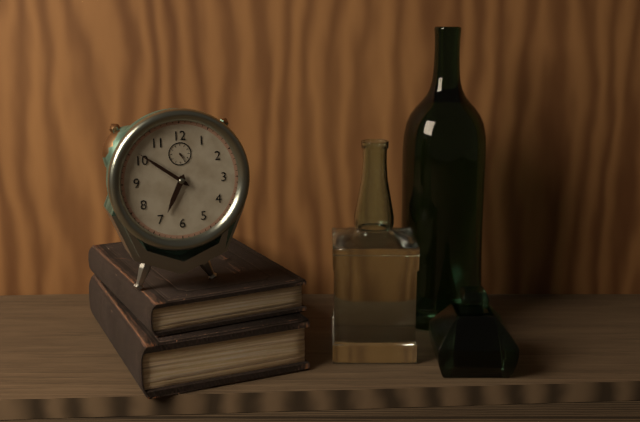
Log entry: 6:51
